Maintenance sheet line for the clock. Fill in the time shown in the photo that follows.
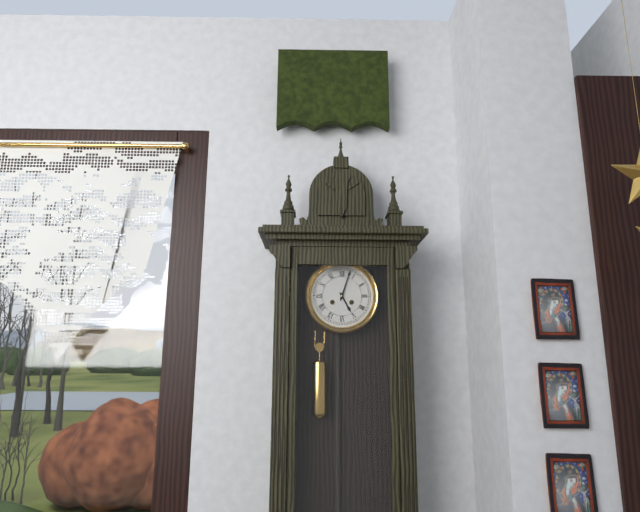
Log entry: 5:03
